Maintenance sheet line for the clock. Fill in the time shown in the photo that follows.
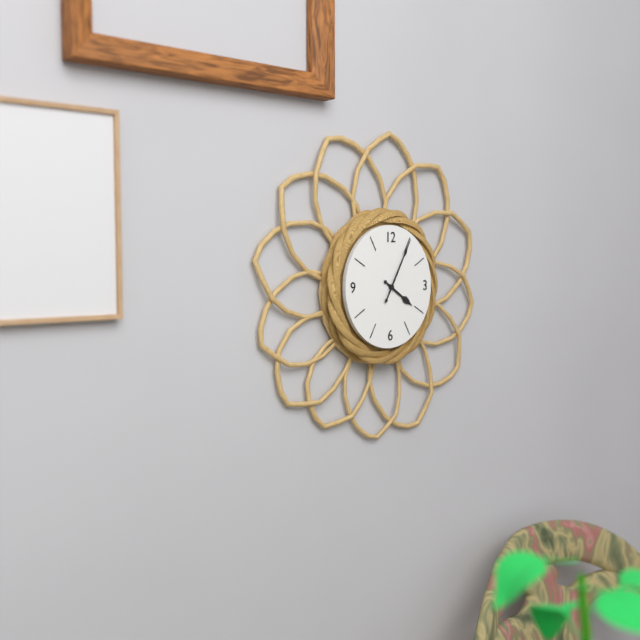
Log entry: 4:05
